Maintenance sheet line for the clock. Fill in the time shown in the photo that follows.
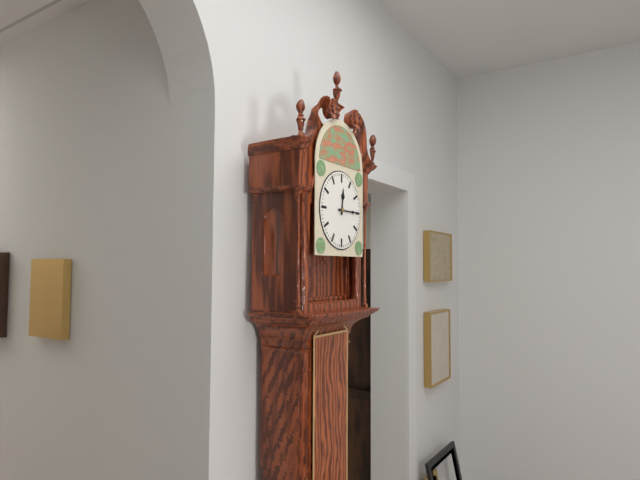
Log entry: 12:15
